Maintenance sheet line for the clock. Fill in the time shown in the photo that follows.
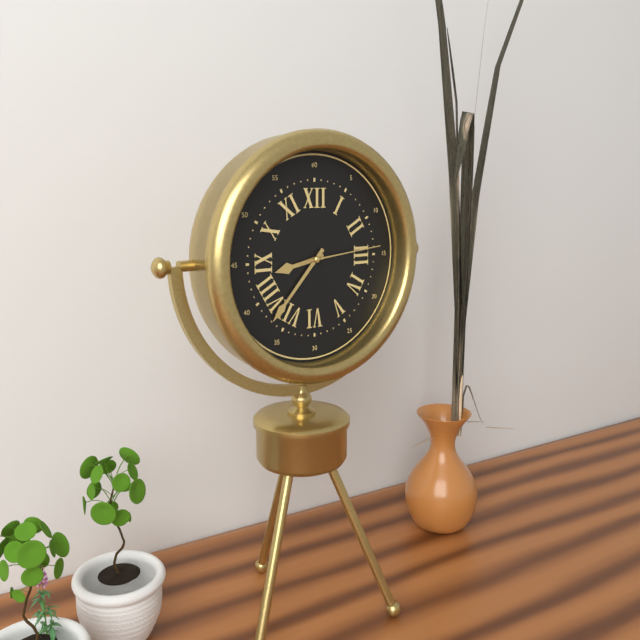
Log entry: 8:37:14
